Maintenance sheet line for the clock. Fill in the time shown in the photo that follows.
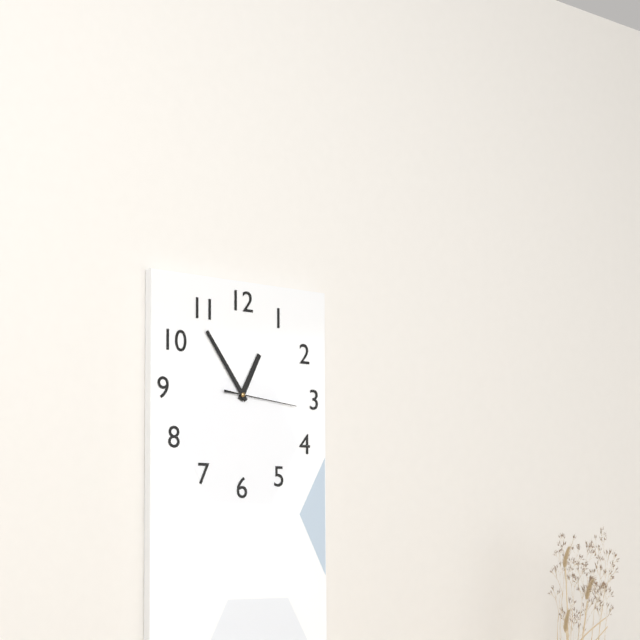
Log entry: 12:54:16
